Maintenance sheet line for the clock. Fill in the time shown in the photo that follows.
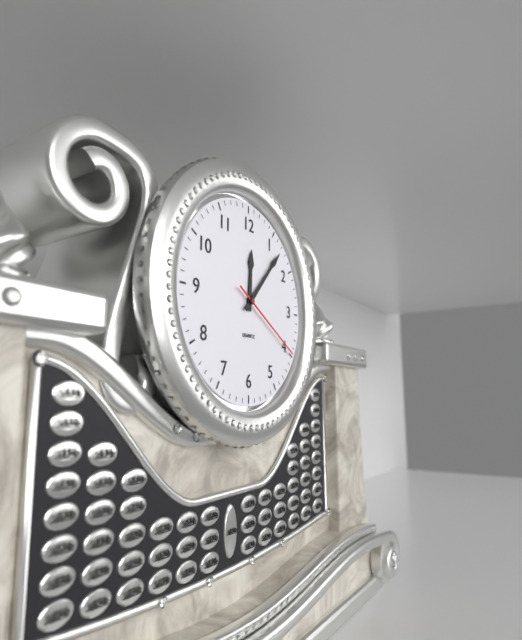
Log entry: 12:07:20
